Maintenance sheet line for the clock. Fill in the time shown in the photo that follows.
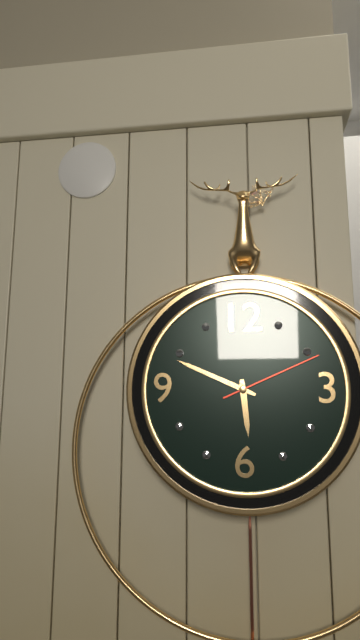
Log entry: 5:49:11
